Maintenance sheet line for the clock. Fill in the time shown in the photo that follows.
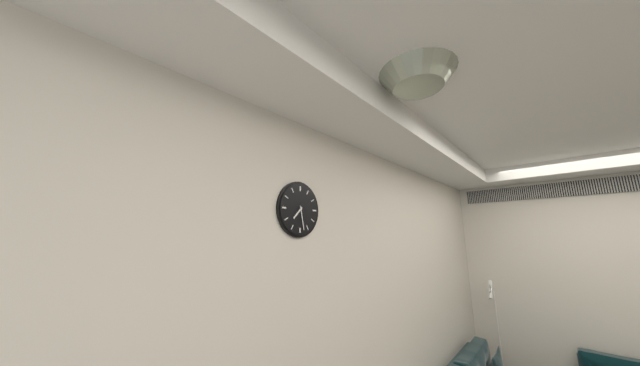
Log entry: 7:28
